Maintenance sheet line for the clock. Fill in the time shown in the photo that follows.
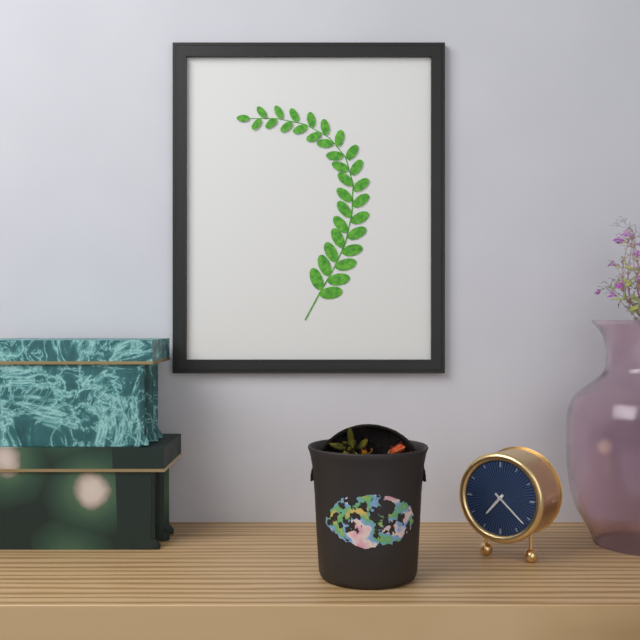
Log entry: 7:22
